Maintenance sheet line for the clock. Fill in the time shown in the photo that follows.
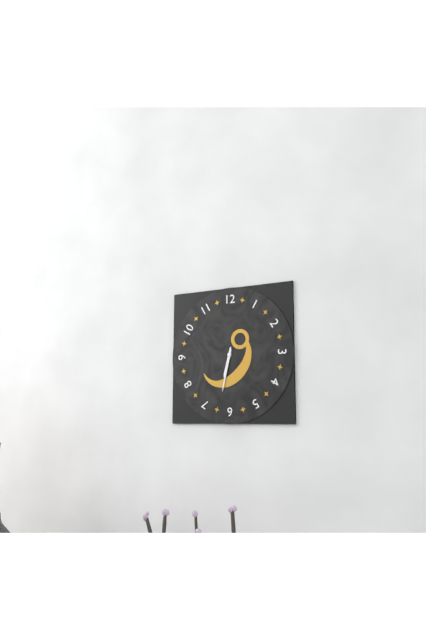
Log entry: 6:32
